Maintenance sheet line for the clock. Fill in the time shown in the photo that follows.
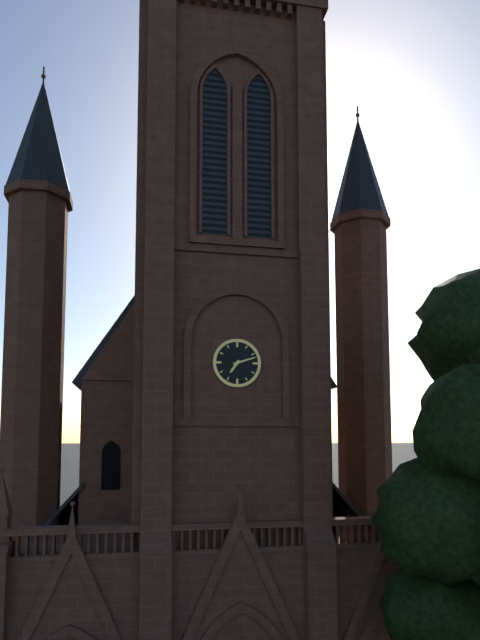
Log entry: 7:12
